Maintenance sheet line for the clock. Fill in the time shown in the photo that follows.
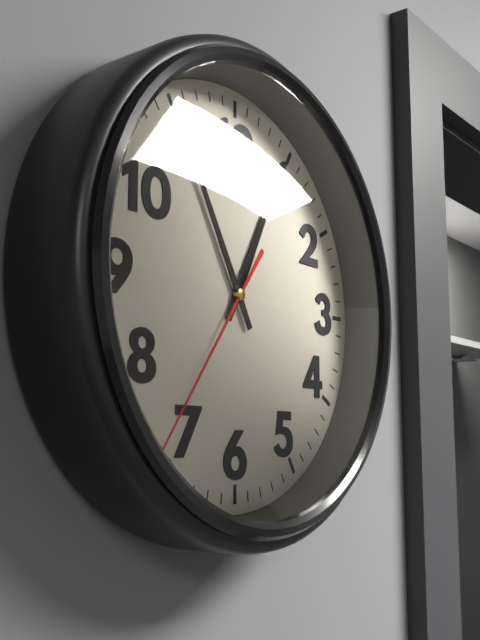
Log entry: 12:55:36
